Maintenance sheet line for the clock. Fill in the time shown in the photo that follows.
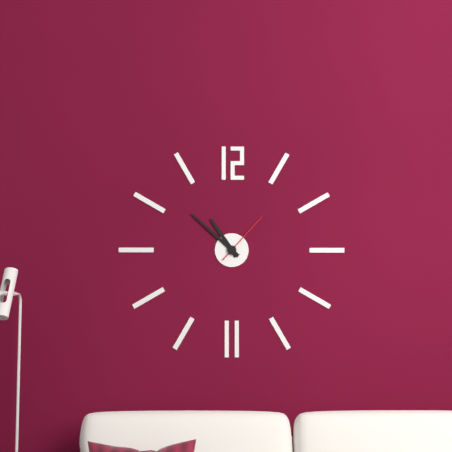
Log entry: 10:52:07
